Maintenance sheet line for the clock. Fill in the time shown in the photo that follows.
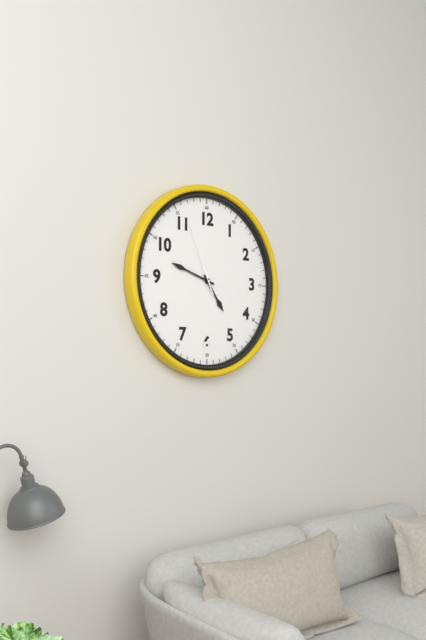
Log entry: 4:48:56
